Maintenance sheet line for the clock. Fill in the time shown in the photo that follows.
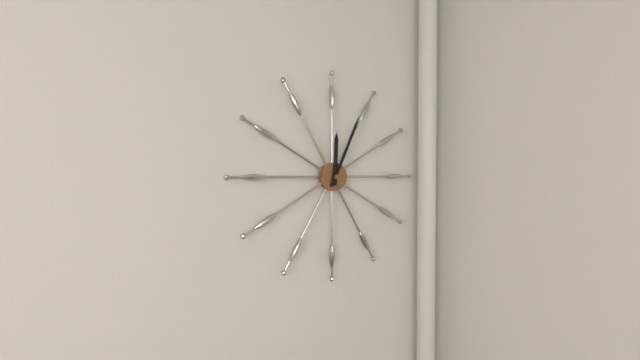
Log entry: 12:04
